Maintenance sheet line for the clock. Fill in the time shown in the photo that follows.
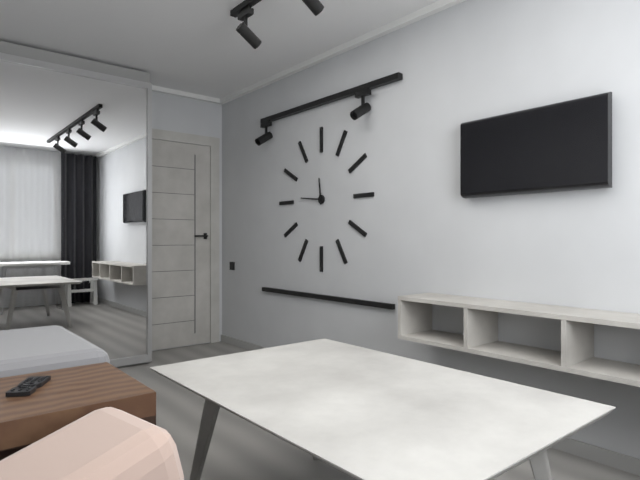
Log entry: 11:46
